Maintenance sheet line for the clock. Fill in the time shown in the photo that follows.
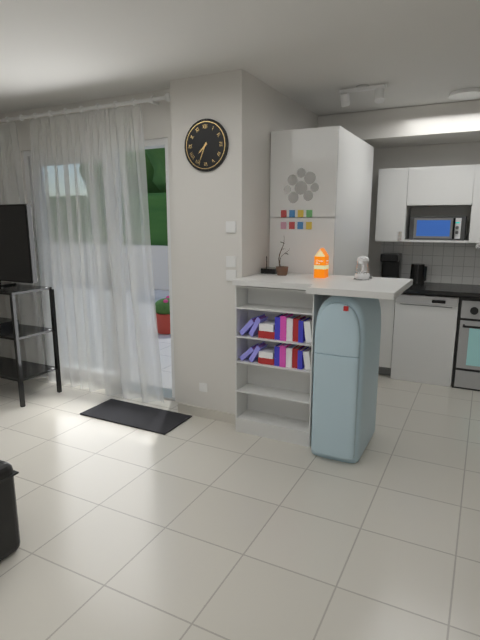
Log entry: 7:34
